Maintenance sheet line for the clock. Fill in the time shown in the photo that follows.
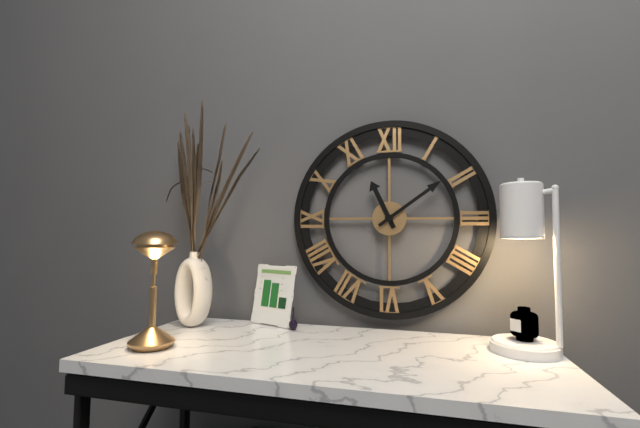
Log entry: 11:09
